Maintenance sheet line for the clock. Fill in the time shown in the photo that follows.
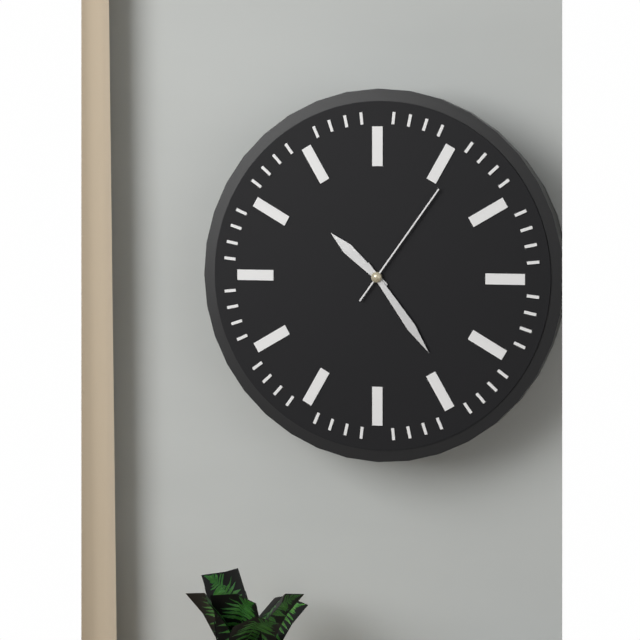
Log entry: 10:24:06
